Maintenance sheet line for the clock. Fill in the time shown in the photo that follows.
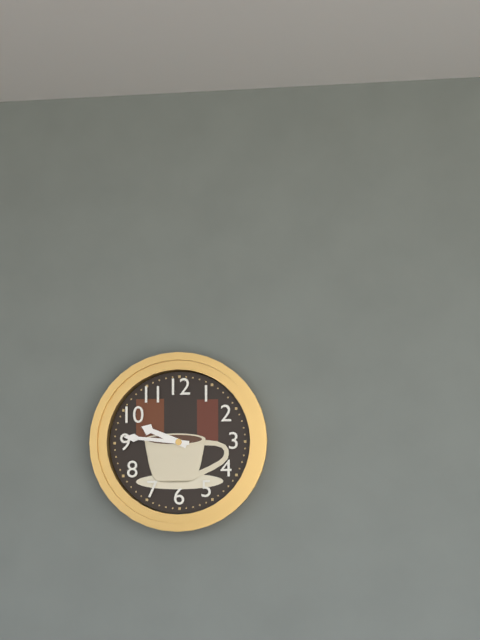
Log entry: 9:46
